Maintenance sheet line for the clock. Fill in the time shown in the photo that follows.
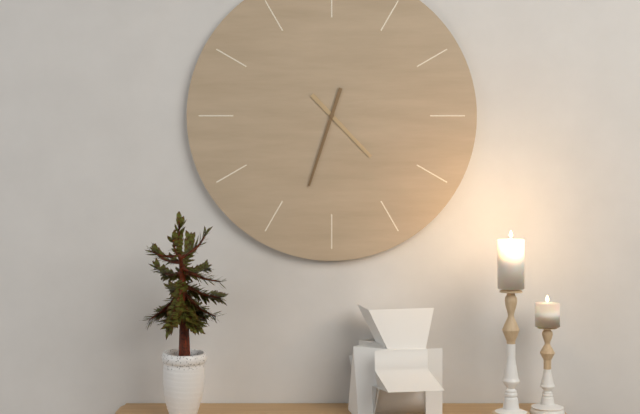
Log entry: 4:33
